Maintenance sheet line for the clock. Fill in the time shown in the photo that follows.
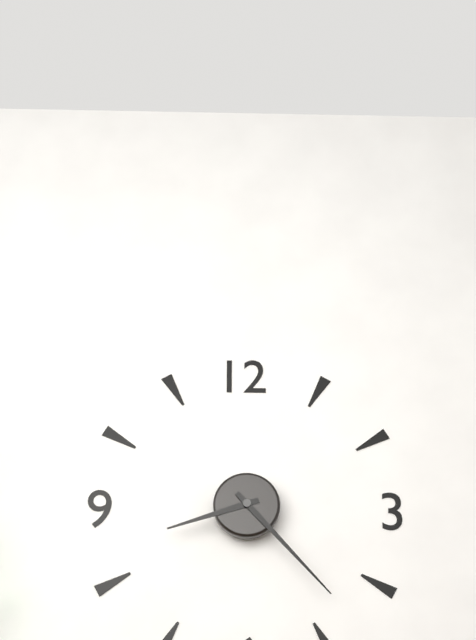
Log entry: 8:23
